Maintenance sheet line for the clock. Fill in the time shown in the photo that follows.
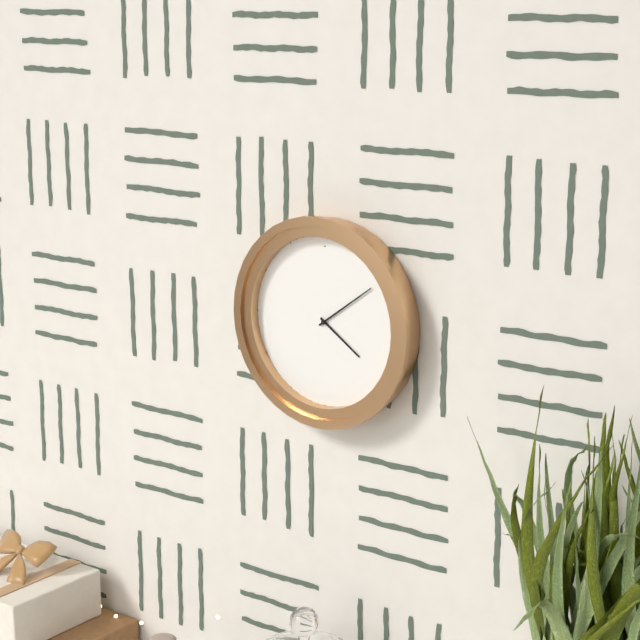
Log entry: 4:09
